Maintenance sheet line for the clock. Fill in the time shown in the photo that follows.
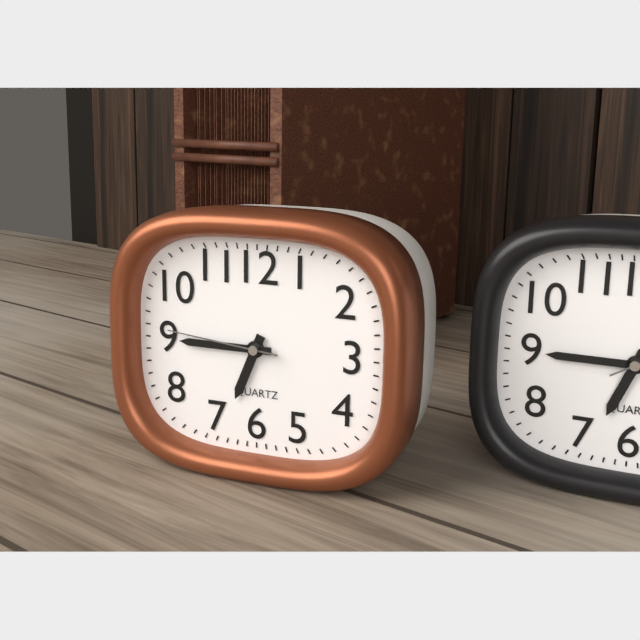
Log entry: 6:45:46
